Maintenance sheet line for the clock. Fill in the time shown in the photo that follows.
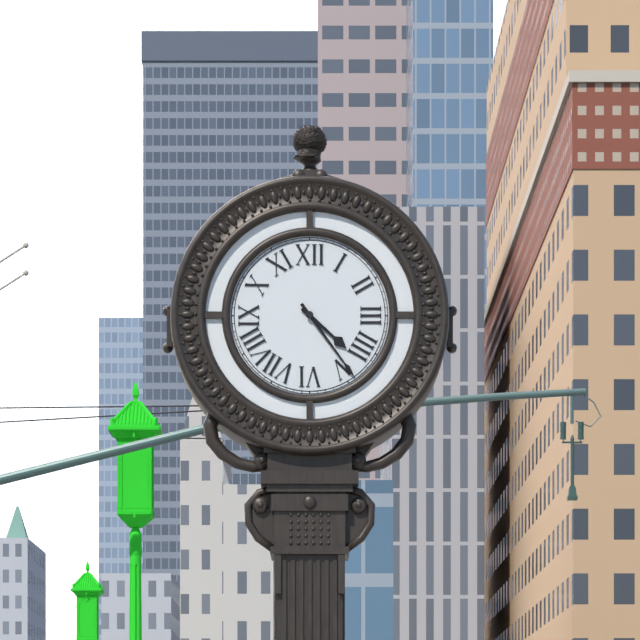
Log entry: 4:24
